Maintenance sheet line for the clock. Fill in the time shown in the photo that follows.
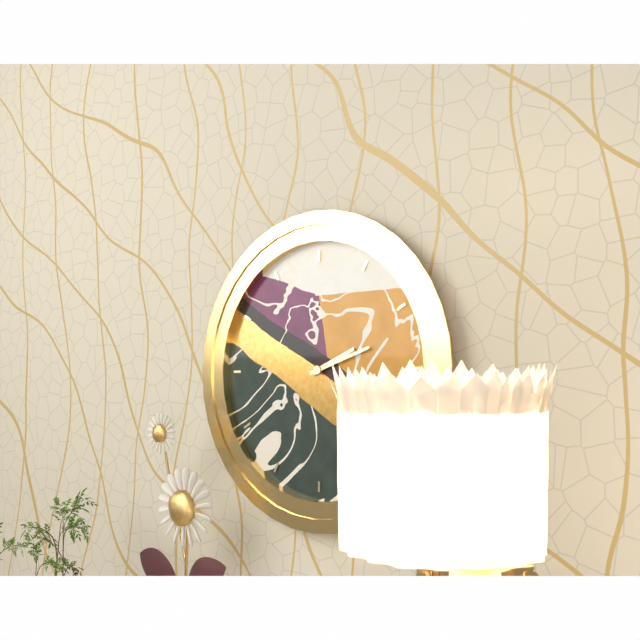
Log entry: 2:12
